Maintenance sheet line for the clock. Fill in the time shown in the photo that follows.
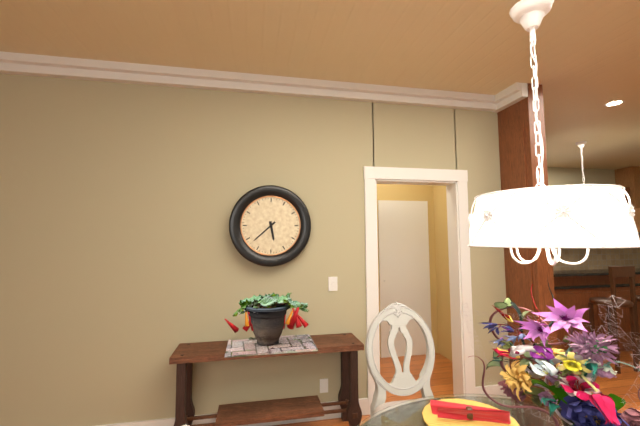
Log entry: 5:38
